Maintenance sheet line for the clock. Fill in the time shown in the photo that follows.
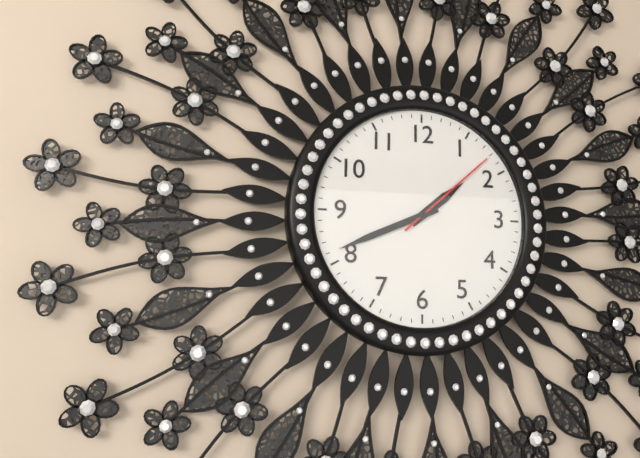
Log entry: 1:41:08
